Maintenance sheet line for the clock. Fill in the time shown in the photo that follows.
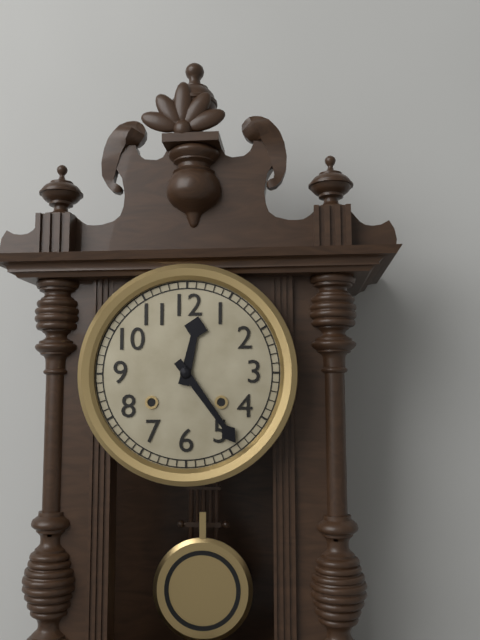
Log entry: 12:24
